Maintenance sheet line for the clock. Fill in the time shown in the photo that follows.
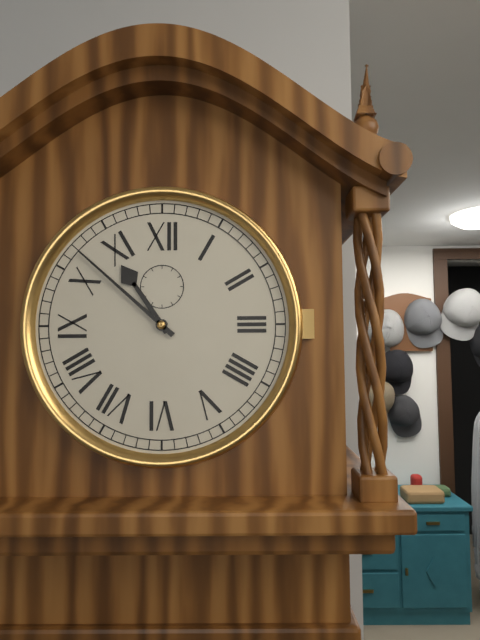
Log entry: 10:52
